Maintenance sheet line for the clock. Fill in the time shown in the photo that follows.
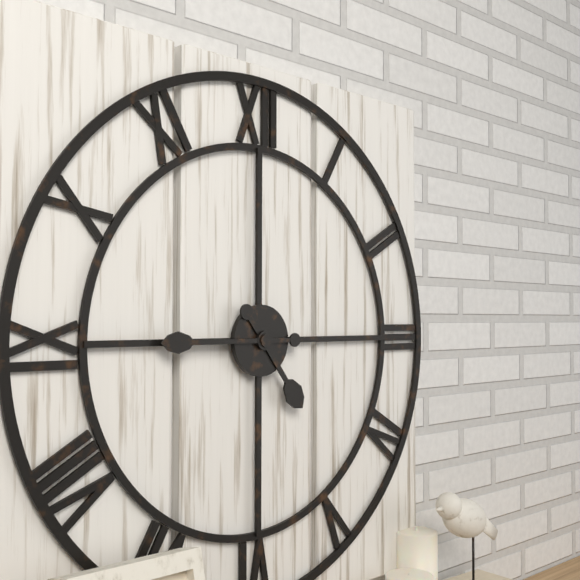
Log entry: 4:45
